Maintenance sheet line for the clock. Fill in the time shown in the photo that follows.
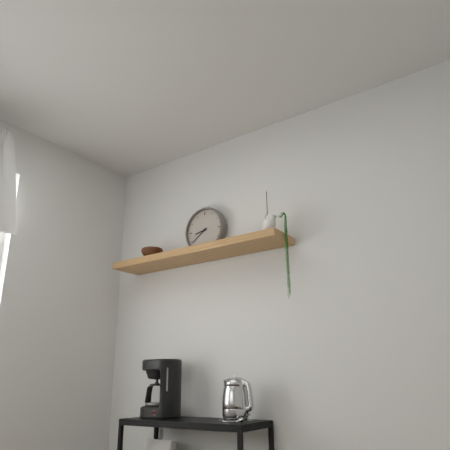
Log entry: 8:39
